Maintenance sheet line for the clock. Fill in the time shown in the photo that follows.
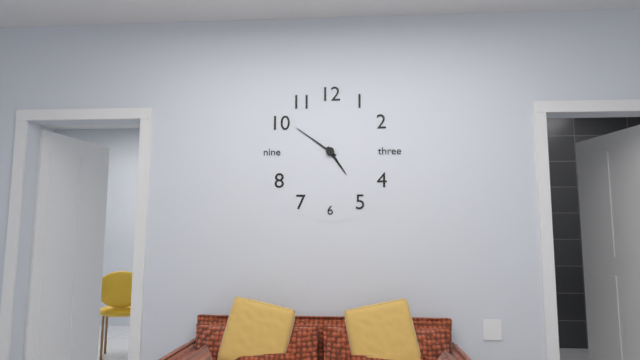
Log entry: 4:51
